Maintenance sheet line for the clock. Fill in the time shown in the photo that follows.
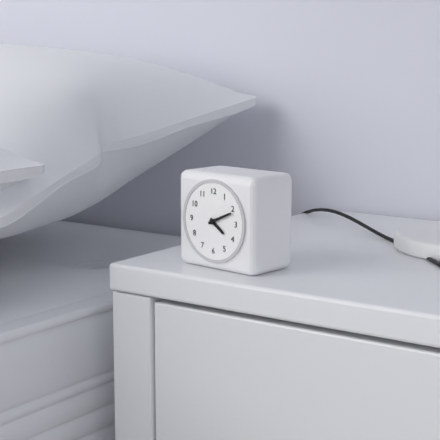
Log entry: 4:11
